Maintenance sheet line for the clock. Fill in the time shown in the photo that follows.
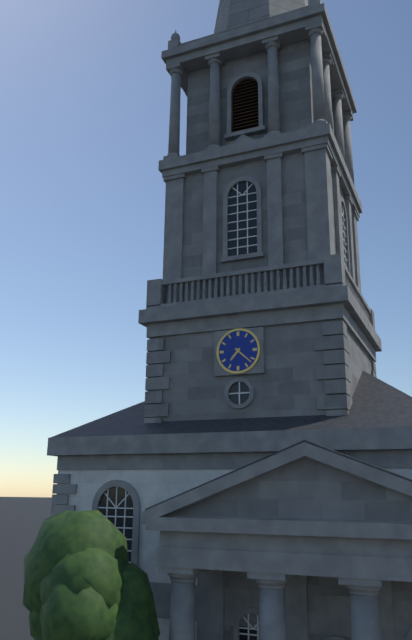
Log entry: 7:22
